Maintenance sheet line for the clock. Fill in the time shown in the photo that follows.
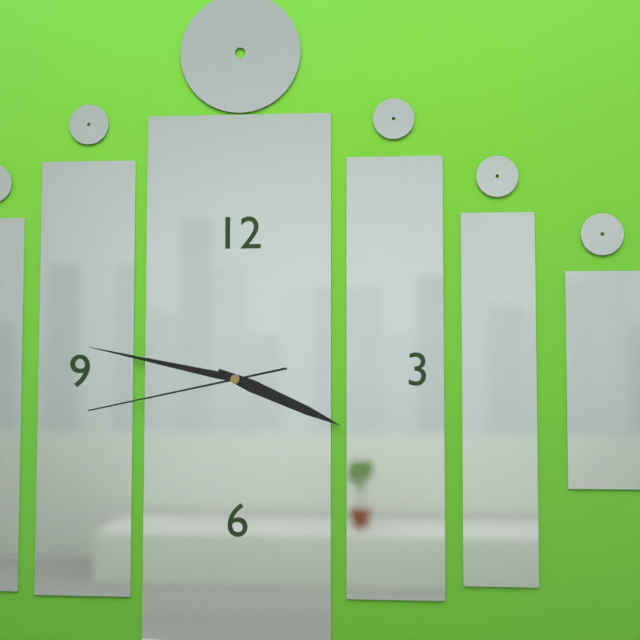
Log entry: 3:47:43
